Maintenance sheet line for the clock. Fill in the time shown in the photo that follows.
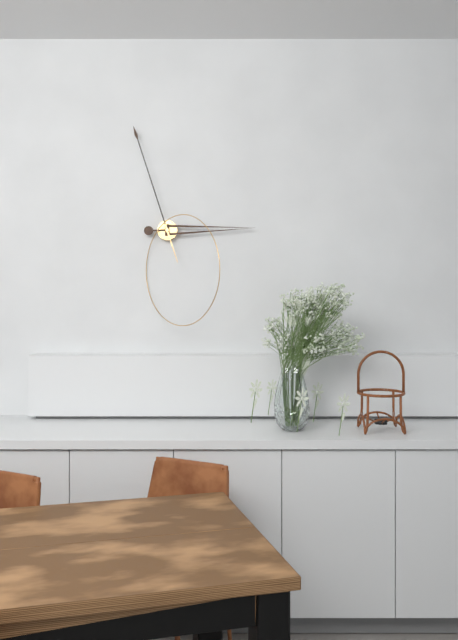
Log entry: 2:57
